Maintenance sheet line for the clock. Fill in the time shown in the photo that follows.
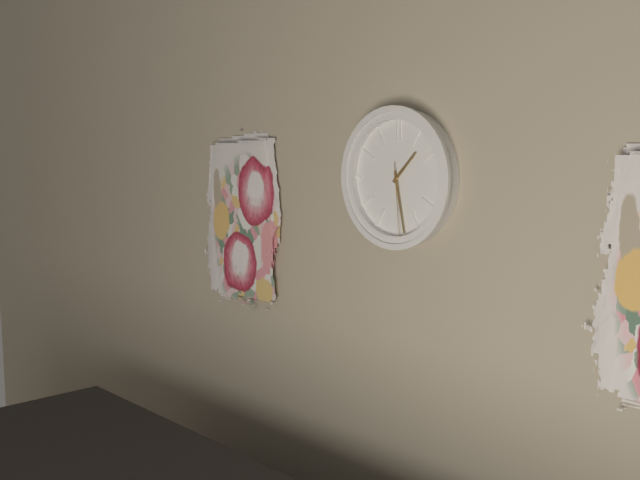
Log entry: 1:28:29
